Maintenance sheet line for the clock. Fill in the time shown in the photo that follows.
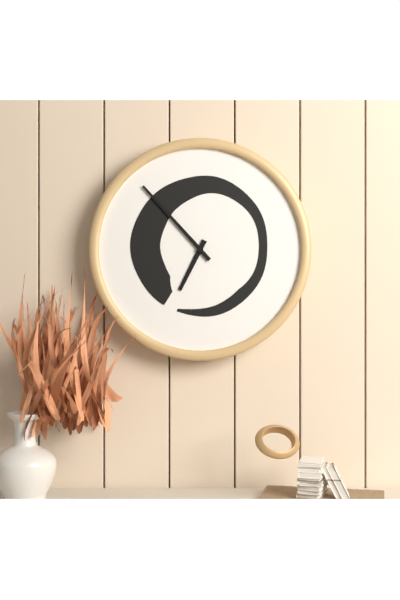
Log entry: 6:53
